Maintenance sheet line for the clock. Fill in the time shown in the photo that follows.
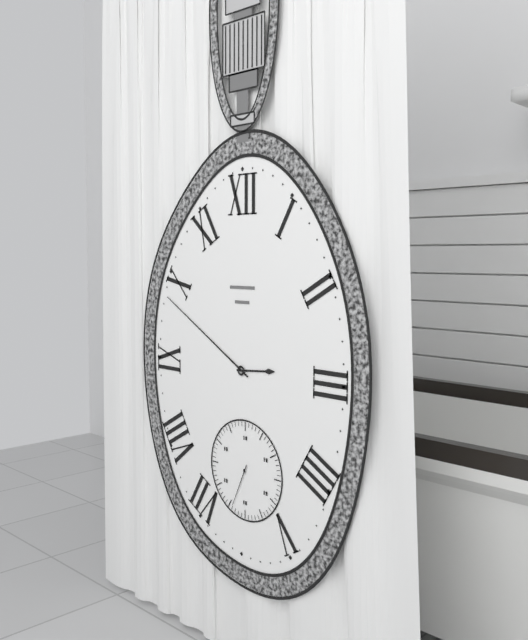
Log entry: 2:50
